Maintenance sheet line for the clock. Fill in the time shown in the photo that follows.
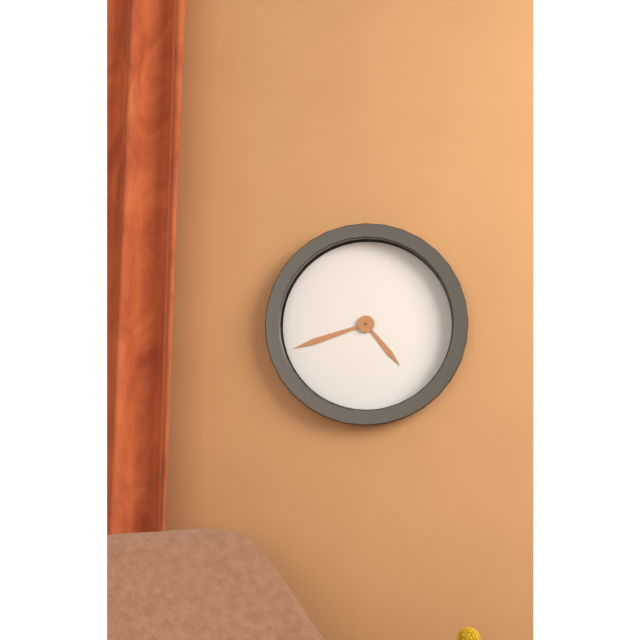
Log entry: 4:42
